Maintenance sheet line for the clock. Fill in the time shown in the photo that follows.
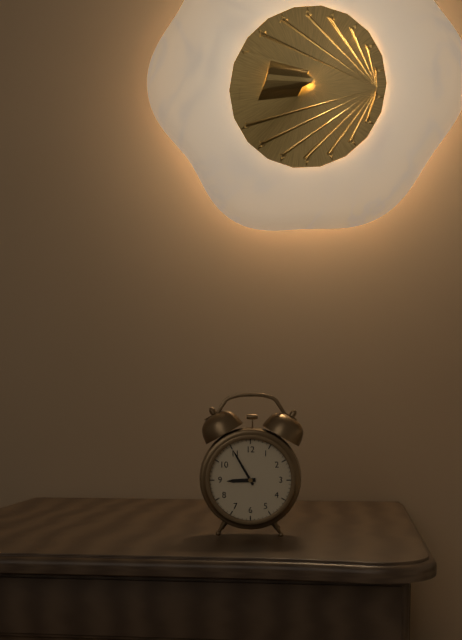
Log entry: 8:55
